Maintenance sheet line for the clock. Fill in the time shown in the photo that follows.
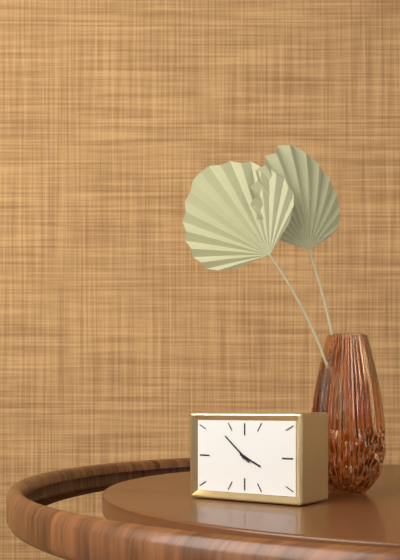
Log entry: 3:52
